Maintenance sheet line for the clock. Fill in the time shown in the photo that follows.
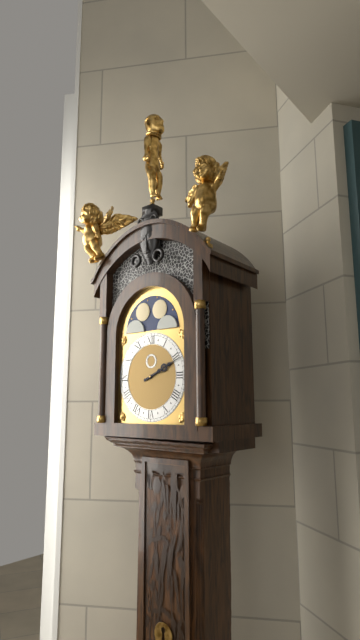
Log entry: 2:11
